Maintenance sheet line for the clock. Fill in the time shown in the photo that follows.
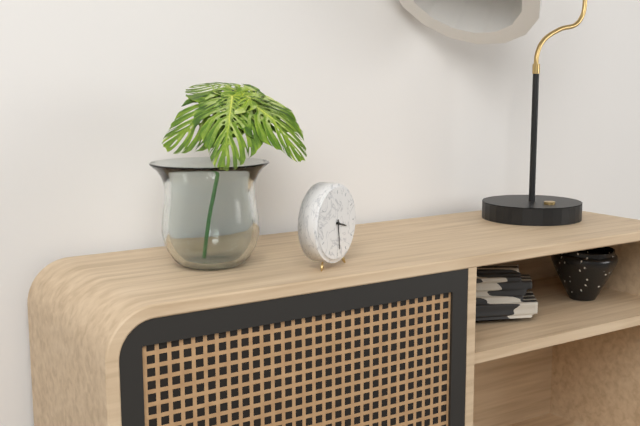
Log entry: 3:29
